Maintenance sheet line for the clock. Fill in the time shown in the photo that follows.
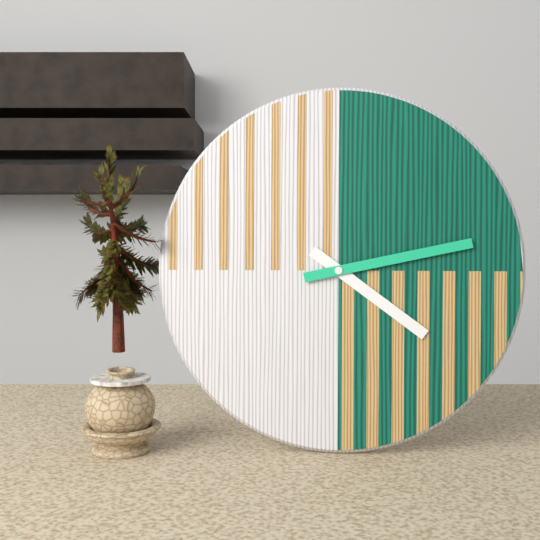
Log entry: 4:13
